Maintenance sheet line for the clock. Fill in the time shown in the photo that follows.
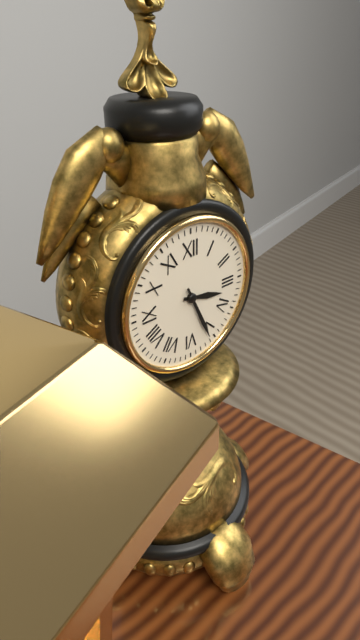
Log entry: 3:26
